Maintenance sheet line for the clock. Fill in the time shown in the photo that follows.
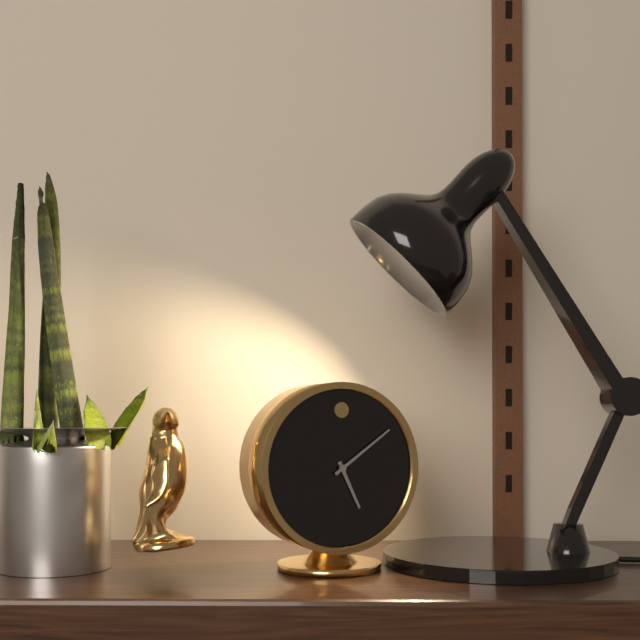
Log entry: 5:09
